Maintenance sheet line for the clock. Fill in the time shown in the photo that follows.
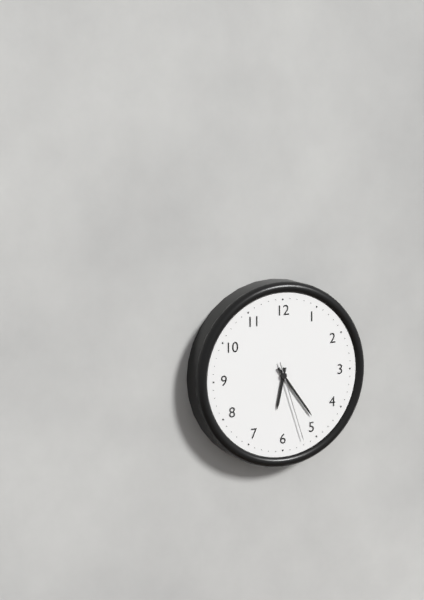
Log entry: 6:24:27
